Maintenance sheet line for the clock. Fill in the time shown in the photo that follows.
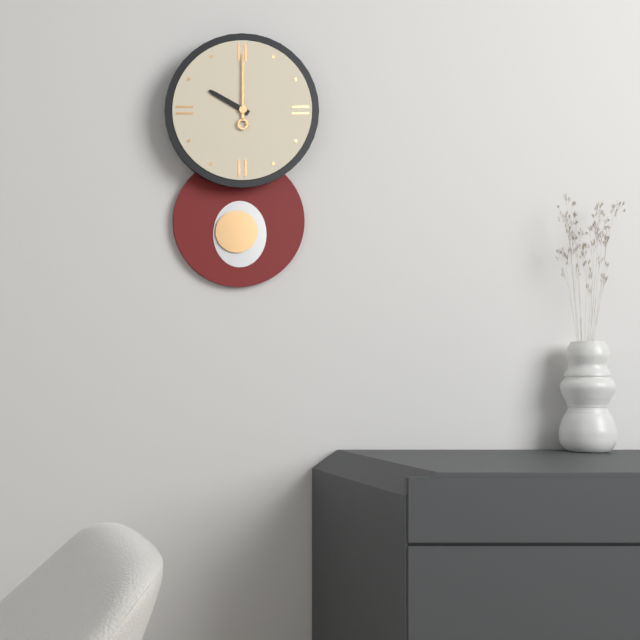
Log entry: 10:00
